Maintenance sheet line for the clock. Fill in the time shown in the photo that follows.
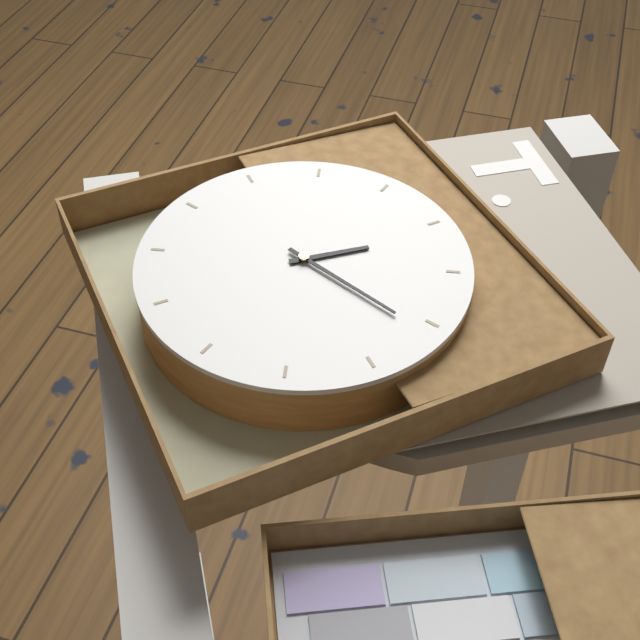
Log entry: 1:16
